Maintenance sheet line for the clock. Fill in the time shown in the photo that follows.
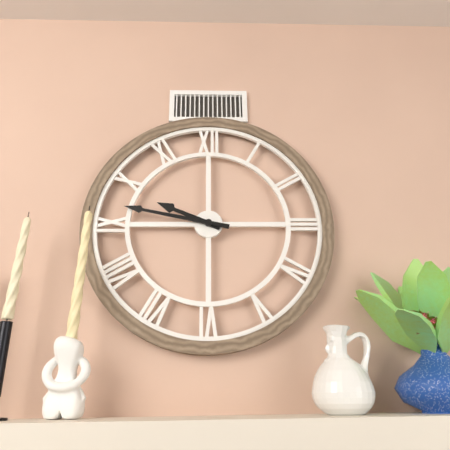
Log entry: 9:47
